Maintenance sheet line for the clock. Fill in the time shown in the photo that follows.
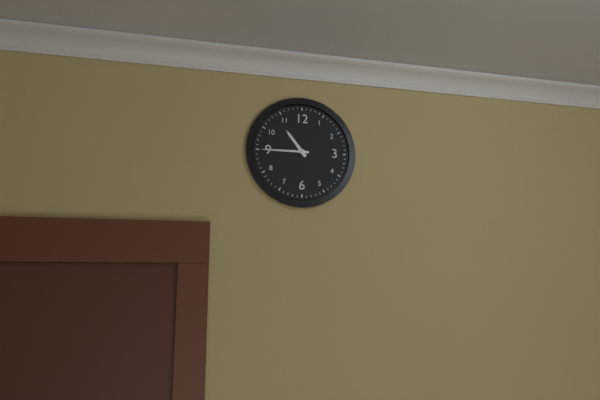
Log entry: 10:45
